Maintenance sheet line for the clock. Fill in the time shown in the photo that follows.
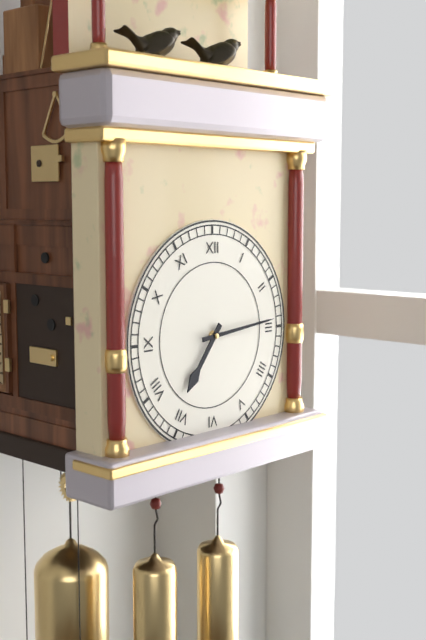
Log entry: 7:14
